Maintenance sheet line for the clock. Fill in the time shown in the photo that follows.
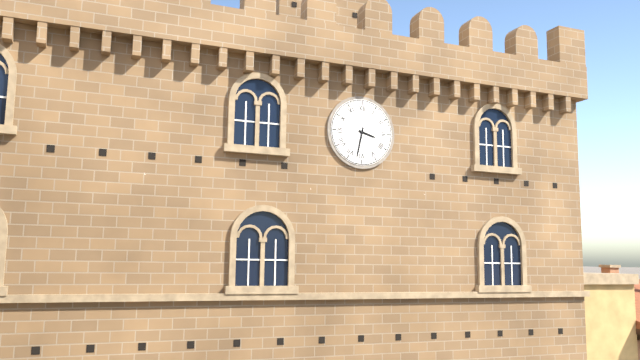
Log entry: 3:32
